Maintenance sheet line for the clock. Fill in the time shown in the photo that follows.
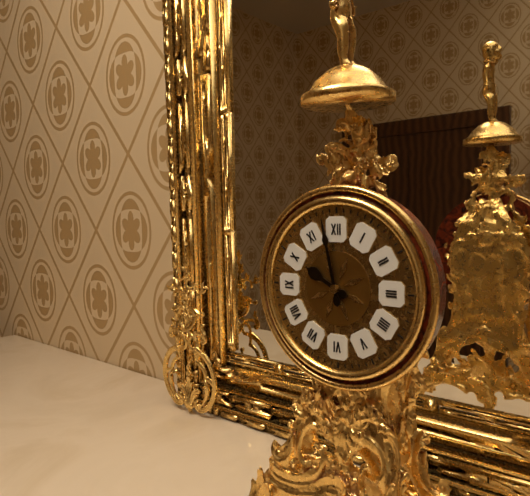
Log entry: 9:58
